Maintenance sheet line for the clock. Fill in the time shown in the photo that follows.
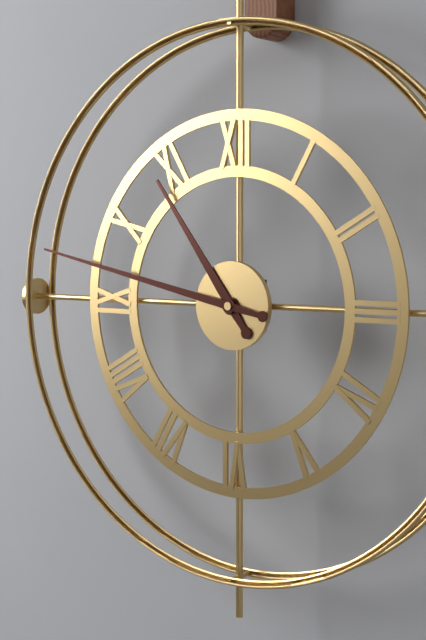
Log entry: 10:47
